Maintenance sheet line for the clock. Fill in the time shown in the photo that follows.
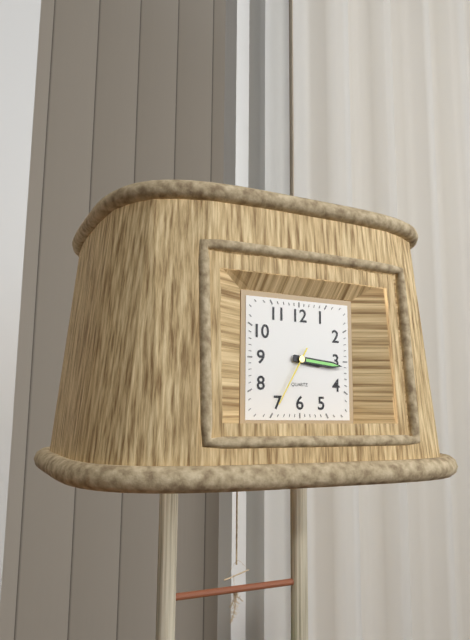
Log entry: 3:16:35
